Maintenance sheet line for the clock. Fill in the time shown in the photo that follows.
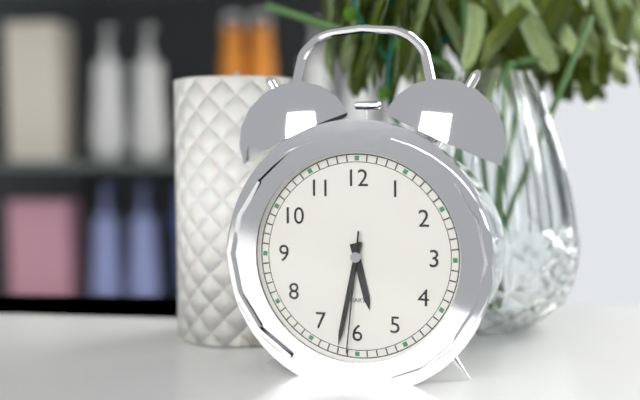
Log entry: 5:32:31
